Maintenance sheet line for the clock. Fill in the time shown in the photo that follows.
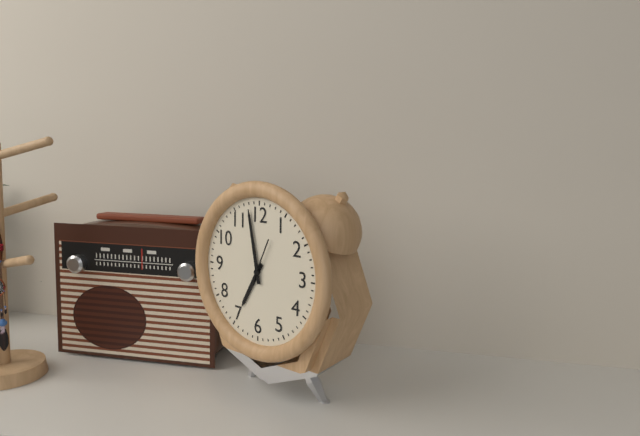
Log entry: 6:58
